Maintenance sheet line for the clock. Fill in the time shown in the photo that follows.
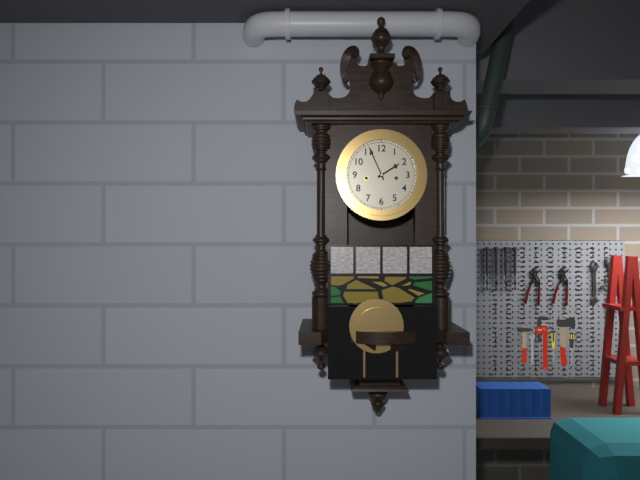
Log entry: 1:56
